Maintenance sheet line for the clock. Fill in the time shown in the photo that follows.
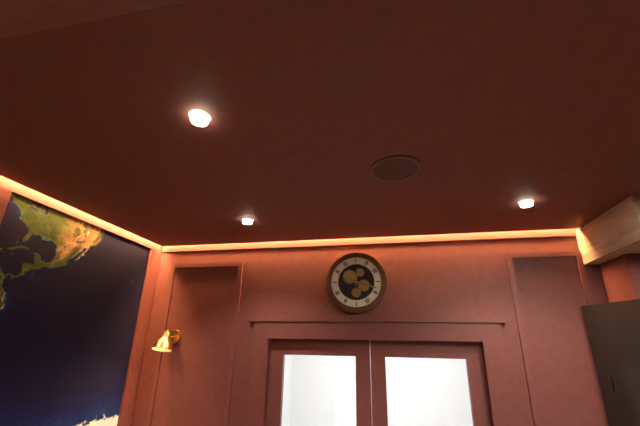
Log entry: 12:18
